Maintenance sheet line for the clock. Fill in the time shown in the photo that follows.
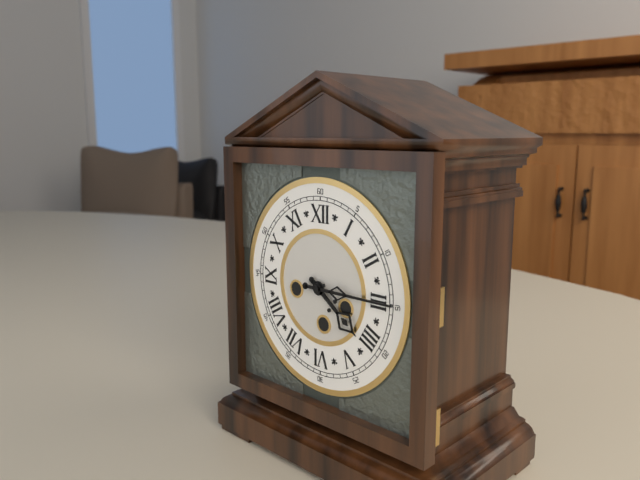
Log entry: 4:15
